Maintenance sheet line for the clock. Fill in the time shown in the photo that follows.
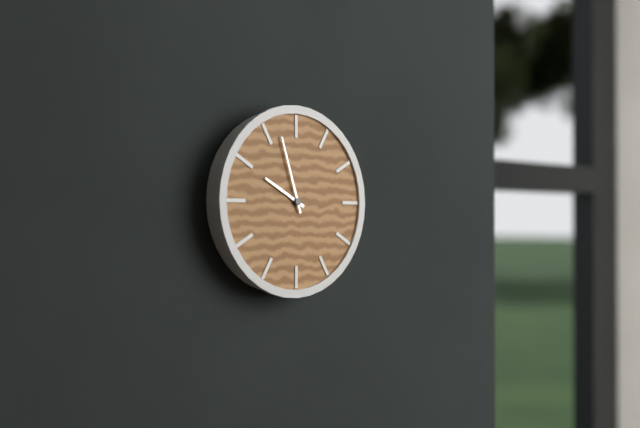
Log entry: 9:57
